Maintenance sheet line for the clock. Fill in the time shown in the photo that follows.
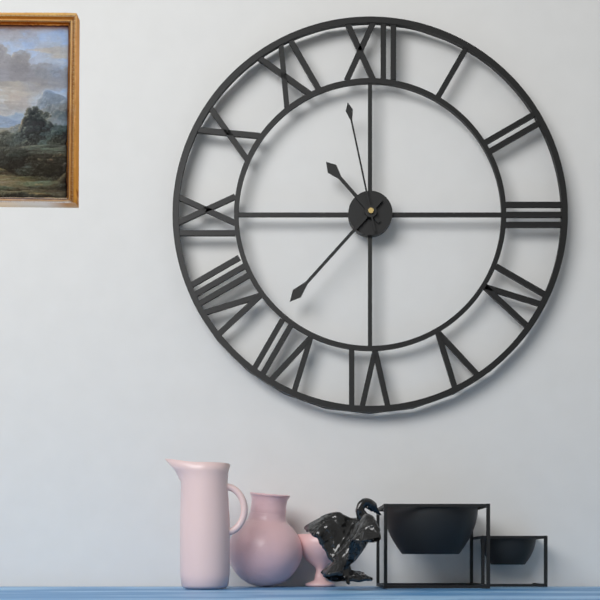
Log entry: 10:37:58
